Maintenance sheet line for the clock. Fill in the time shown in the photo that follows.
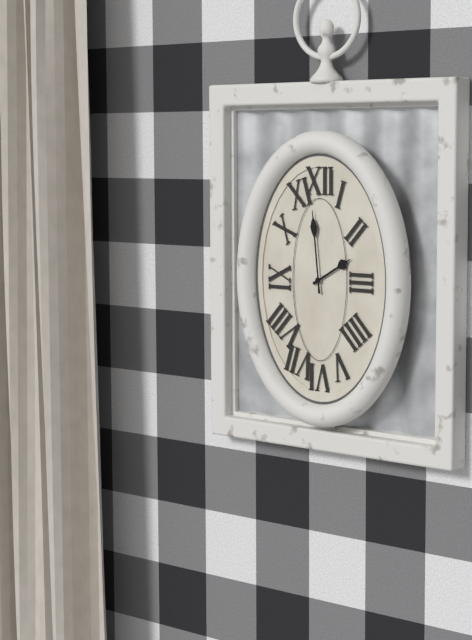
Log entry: 1:59
